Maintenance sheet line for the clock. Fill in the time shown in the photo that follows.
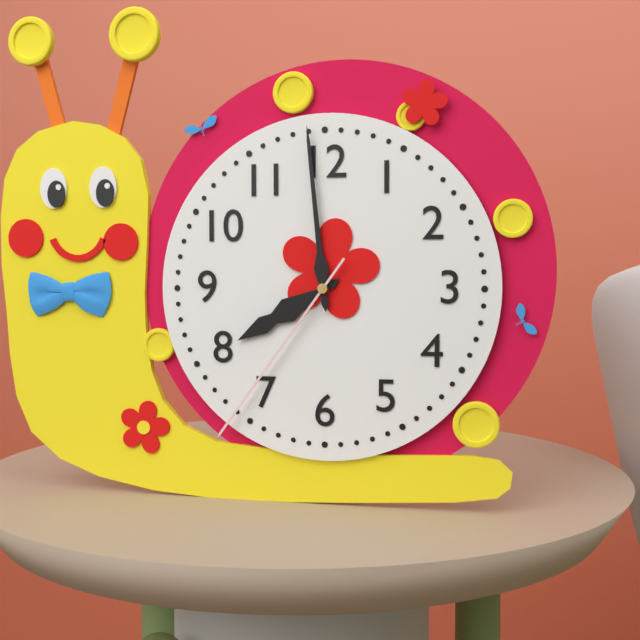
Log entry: 7:59:36
